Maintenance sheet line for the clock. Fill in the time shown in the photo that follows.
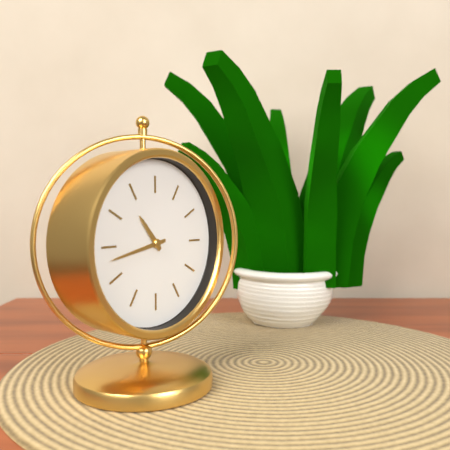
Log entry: 10:43
